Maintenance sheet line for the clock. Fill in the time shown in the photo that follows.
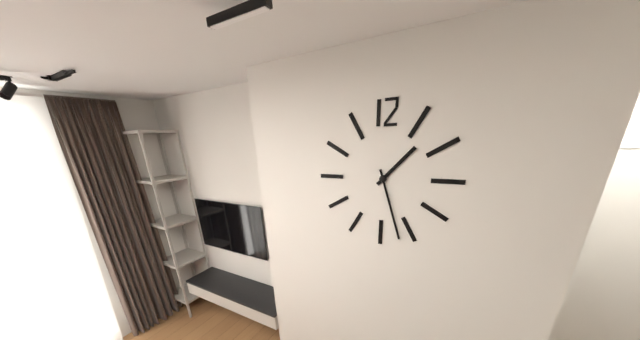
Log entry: 1:27
